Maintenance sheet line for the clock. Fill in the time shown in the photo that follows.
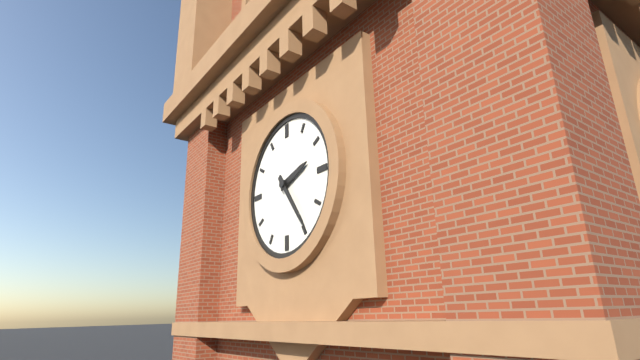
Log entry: 2:24
